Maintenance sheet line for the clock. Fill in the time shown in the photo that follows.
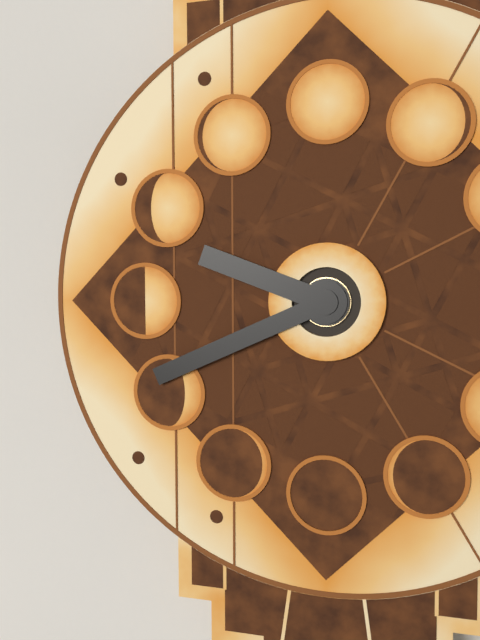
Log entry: 9:41
